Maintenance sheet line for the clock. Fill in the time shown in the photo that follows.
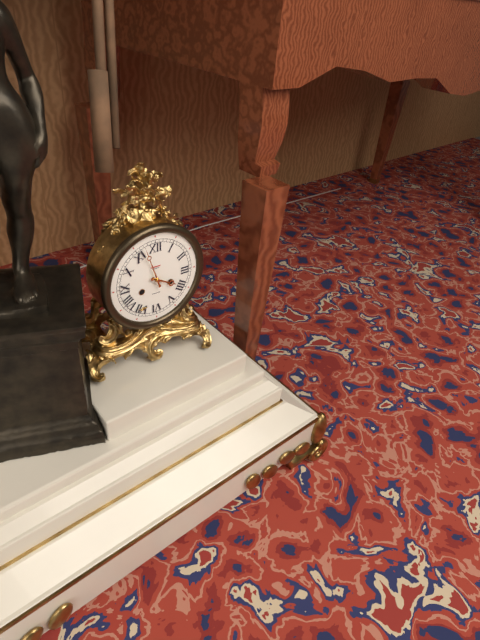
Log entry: 3:57
